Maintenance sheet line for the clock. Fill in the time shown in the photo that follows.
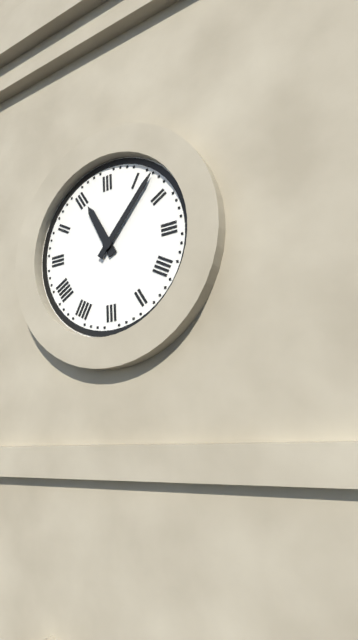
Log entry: 11:07
